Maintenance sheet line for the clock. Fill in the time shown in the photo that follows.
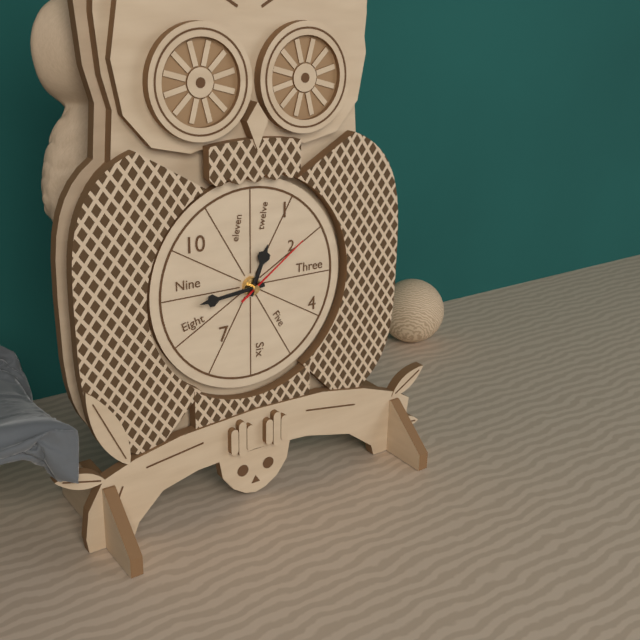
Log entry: 12:44:09
